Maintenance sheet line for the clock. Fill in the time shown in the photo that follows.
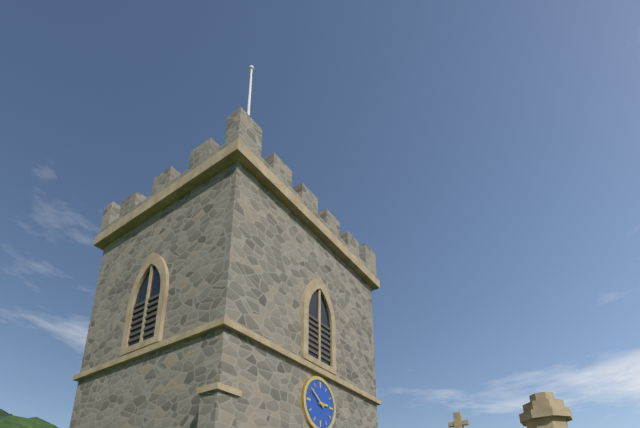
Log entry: 2:51
